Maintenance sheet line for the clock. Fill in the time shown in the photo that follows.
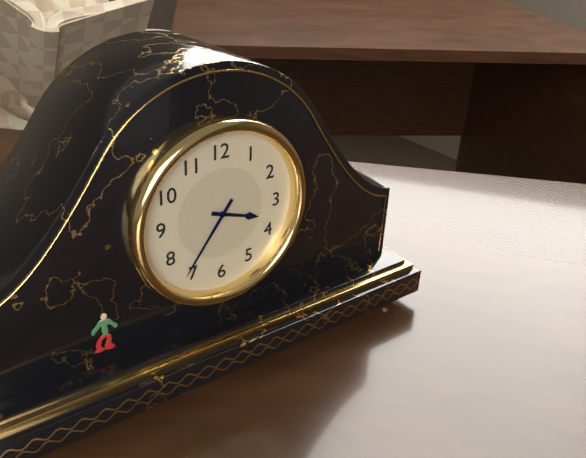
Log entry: 3:36
